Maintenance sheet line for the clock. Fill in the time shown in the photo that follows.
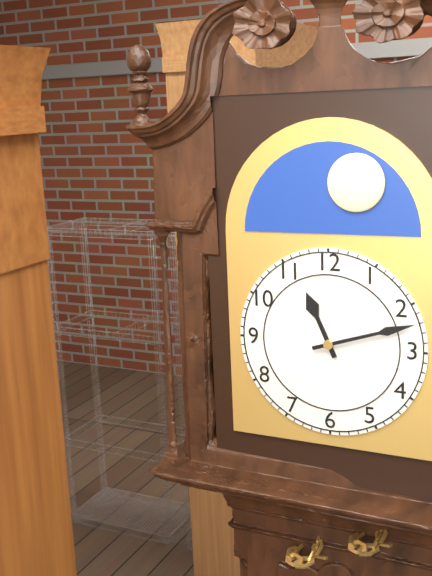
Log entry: 11:12
